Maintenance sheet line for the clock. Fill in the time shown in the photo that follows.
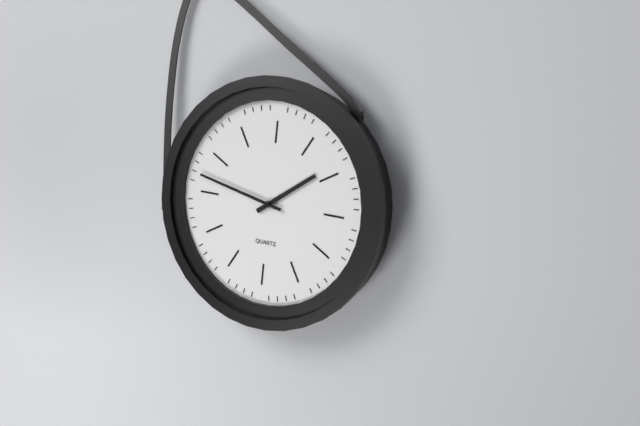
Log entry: 1:47
